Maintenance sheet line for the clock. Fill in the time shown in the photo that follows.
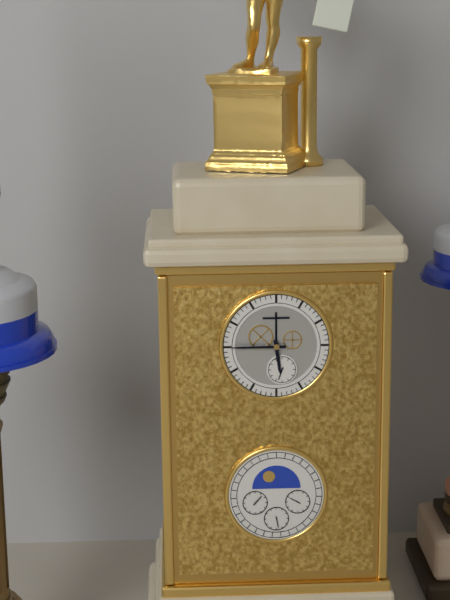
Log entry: 5:45
